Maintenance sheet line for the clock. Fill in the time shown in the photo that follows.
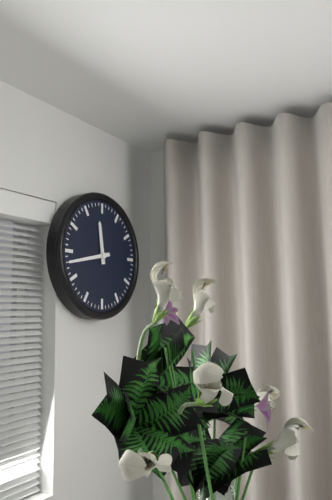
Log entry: 11:43
